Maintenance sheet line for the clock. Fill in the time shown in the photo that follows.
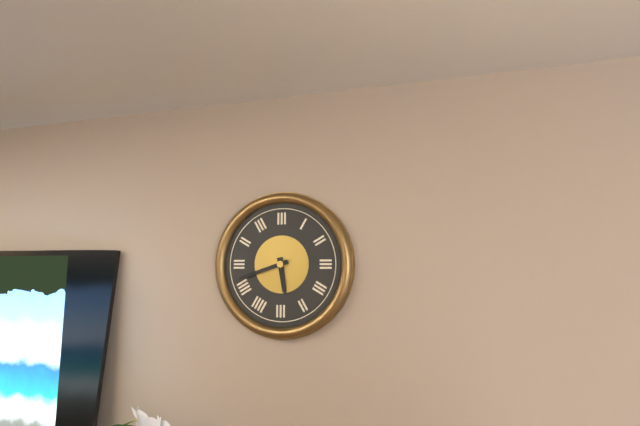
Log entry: 5:42
